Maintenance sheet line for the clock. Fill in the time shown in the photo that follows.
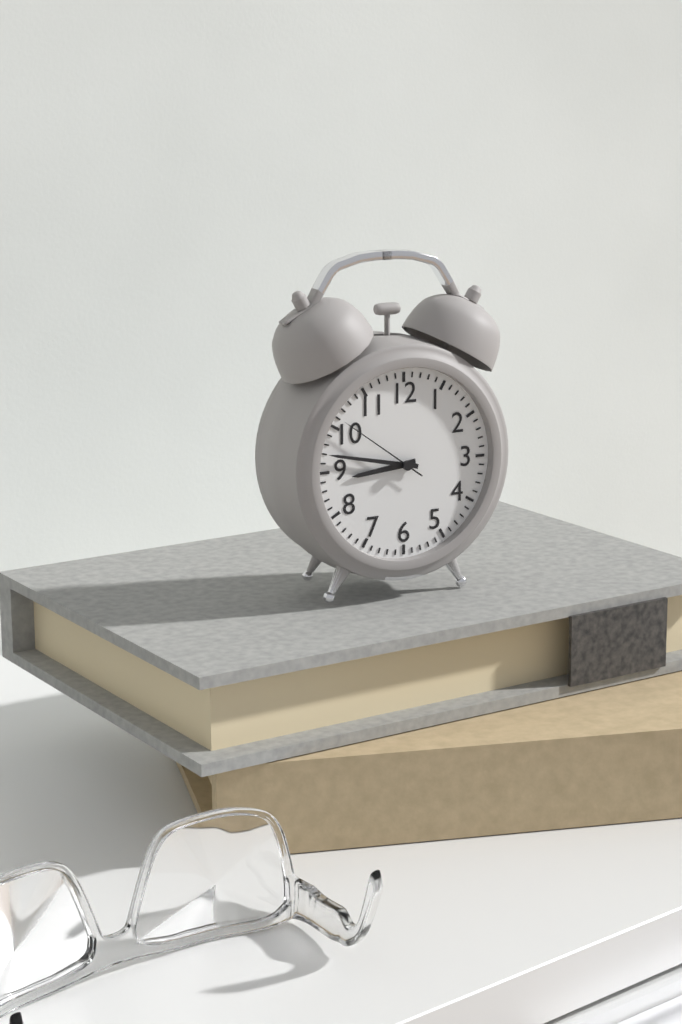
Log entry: 8:47:51
